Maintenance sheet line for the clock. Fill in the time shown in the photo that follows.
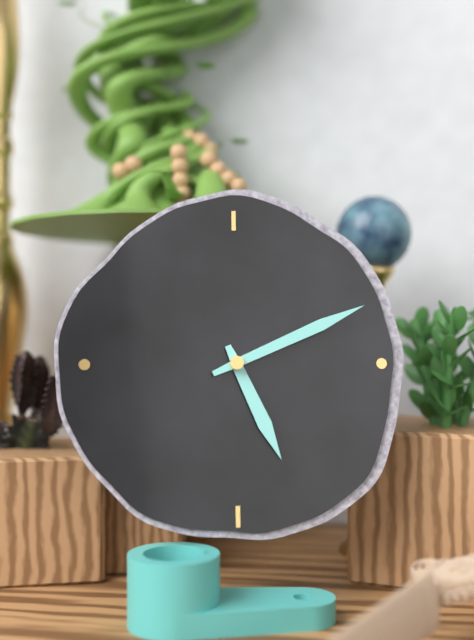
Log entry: 5:11
